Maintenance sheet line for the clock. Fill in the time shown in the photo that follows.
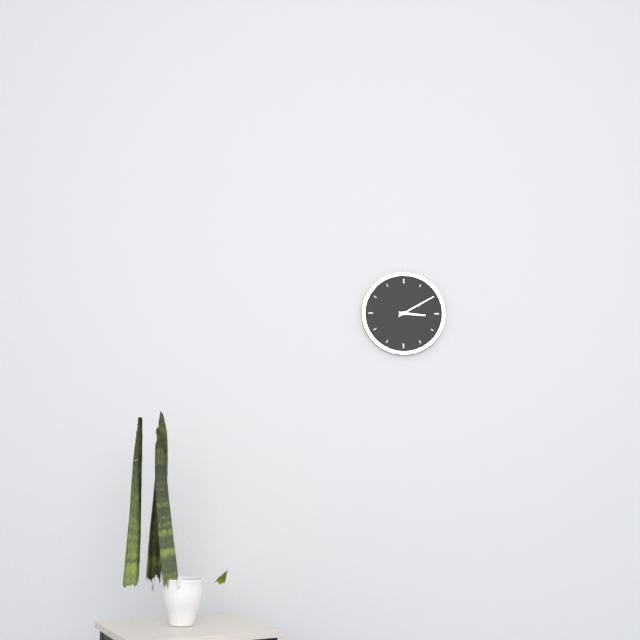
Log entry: 3:10
